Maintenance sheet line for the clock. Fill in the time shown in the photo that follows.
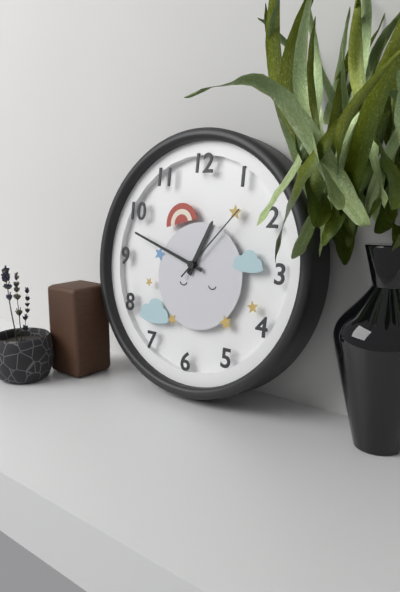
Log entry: 12:48:07
